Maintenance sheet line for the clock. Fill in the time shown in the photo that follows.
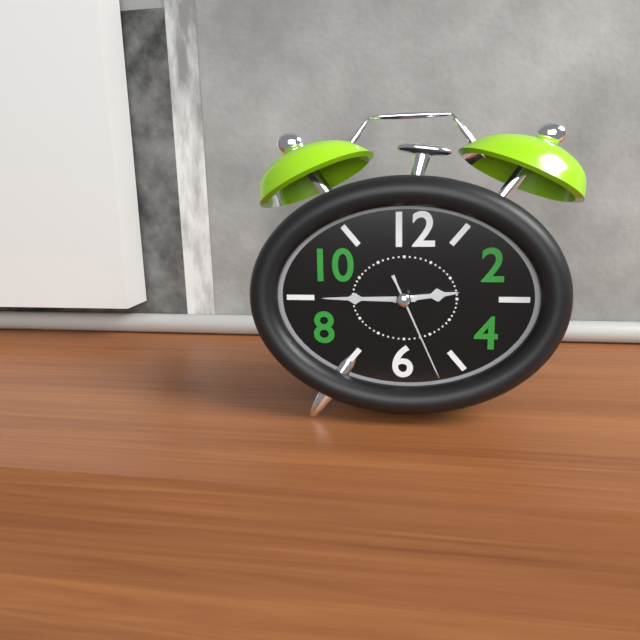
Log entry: 2:45:26
